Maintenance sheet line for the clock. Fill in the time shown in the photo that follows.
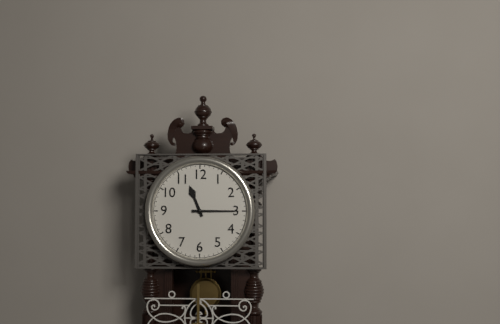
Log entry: 11:15
